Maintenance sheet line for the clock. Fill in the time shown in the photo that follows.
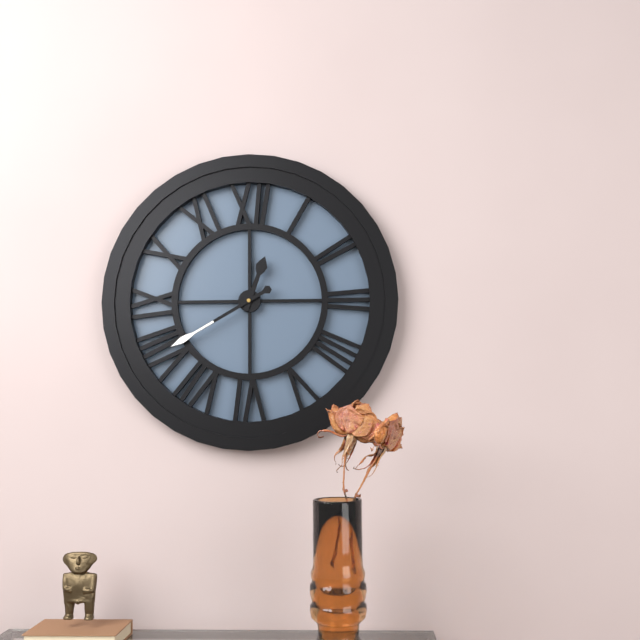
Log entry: 12:40
